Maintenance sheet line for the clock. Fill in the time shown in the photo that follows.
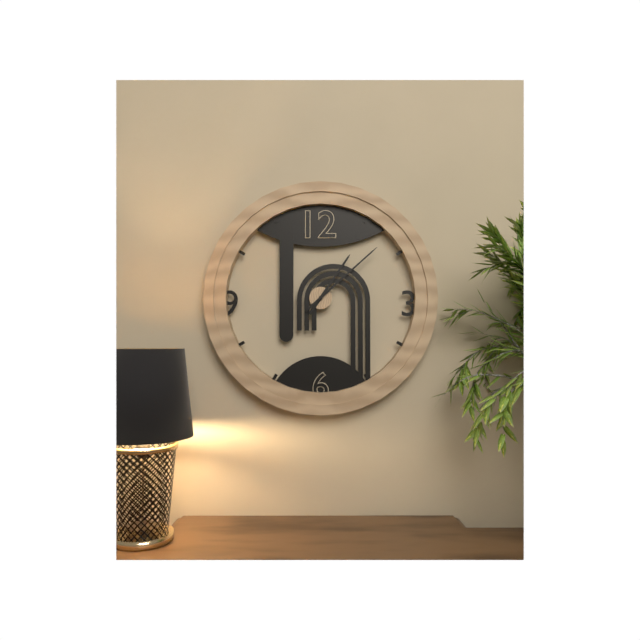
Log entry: 1:08
